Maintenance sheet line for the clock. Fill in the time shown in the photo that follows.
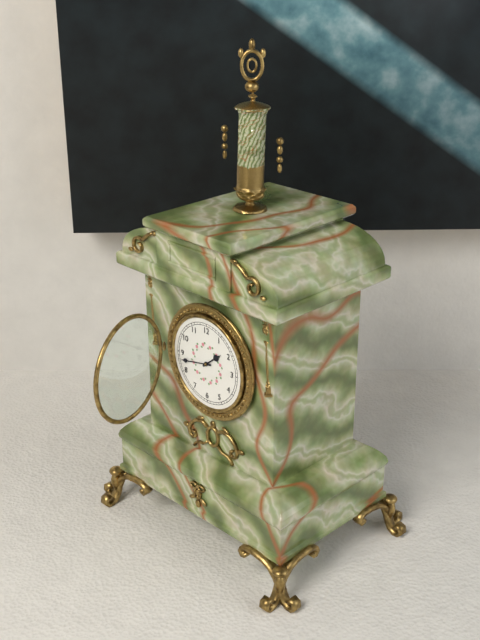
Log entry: 1:43
